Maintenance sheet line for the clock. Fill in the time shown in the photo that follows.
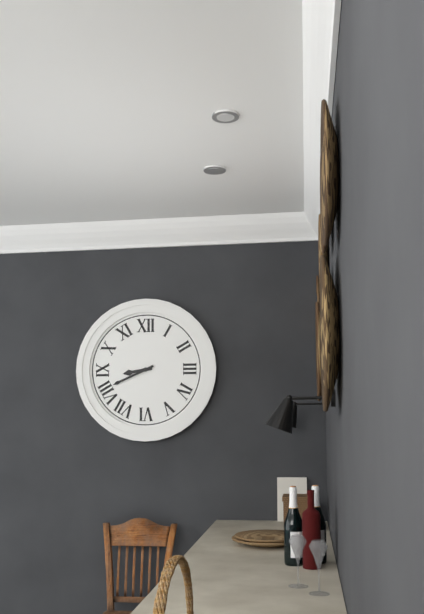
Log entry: 8:41
